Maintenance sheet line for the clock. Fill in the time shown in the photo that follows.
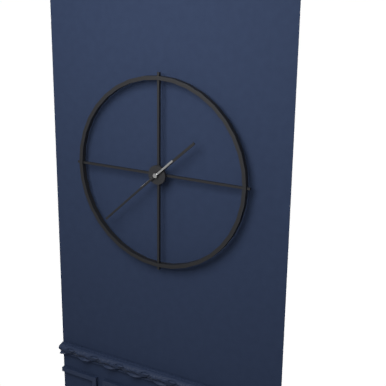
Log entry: 1:38
